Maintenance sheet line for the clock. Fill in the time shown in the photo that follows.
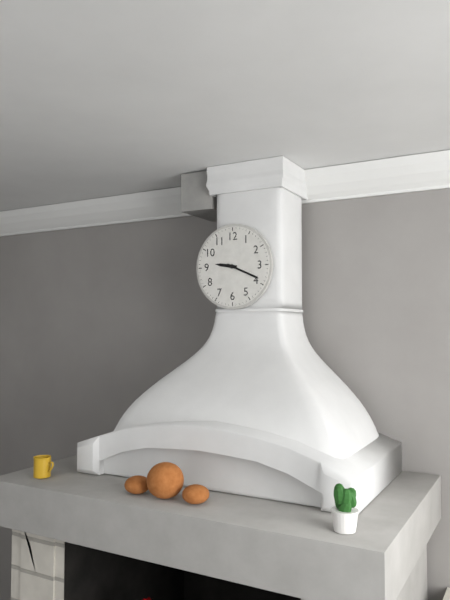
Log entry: 9:19
